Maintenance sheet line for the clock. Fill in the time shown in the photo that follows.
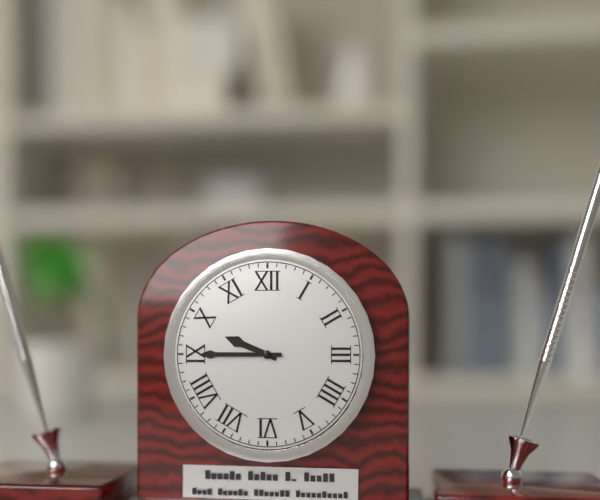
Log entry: 9:45
